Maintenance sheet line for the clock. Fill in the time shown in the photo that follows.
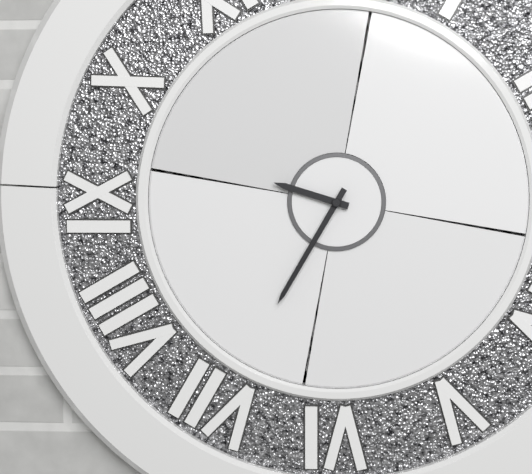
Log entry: 9:35
